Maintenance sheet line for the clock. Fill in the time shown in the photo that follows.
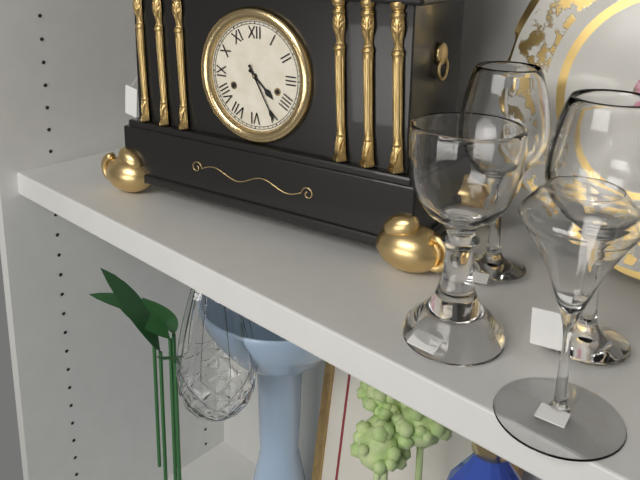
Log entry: 4:25
